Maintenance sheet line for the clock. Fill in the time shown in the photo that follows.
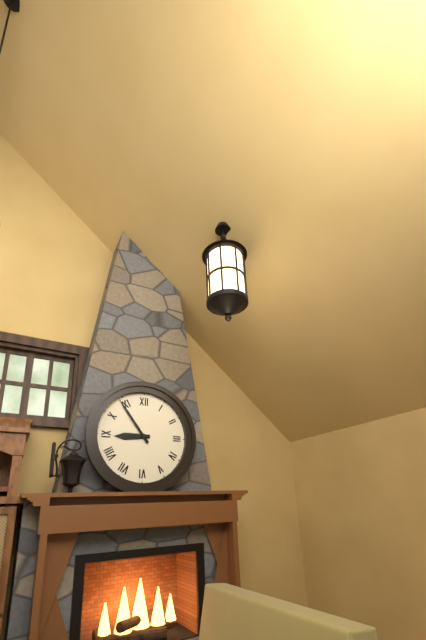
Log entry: 8:54
